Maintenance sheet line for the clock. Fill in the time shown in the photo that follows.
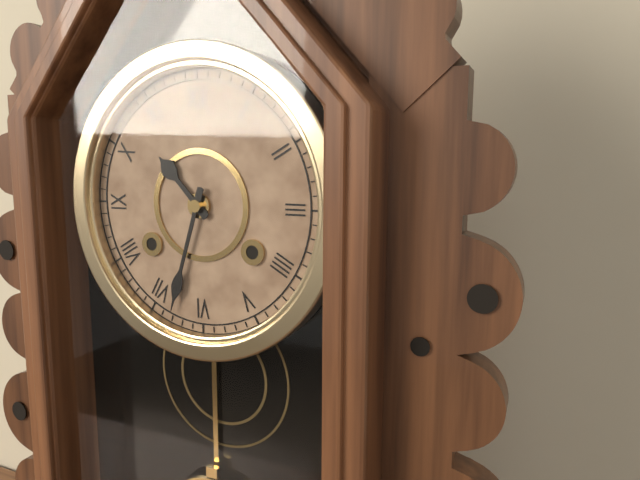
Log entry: 10:33
